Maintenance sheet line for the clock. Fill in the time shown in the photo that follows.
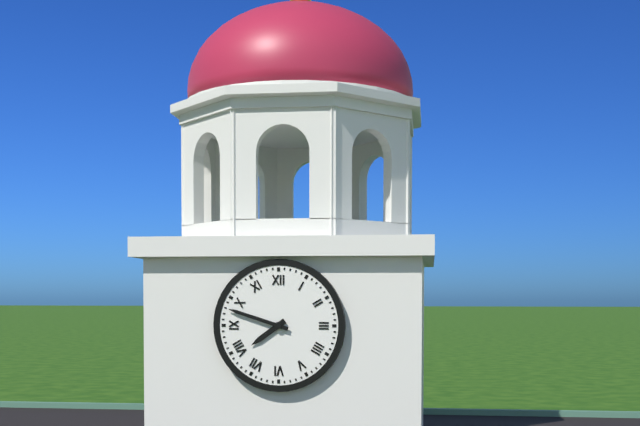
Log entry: 7:48
